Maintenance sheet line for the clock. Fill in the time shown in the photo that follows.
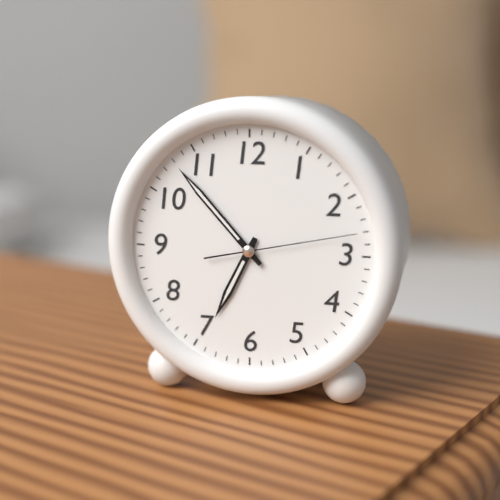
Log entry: 6:53:13
